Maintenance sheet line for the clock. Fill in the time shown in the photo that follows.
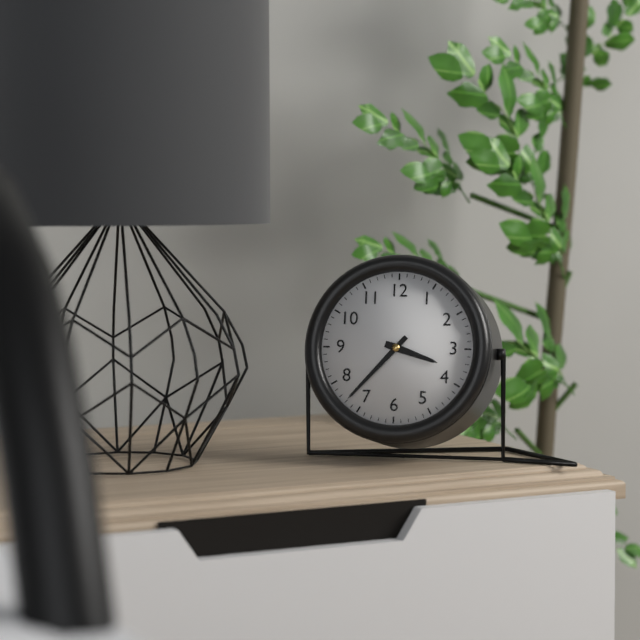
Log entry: 3:37
